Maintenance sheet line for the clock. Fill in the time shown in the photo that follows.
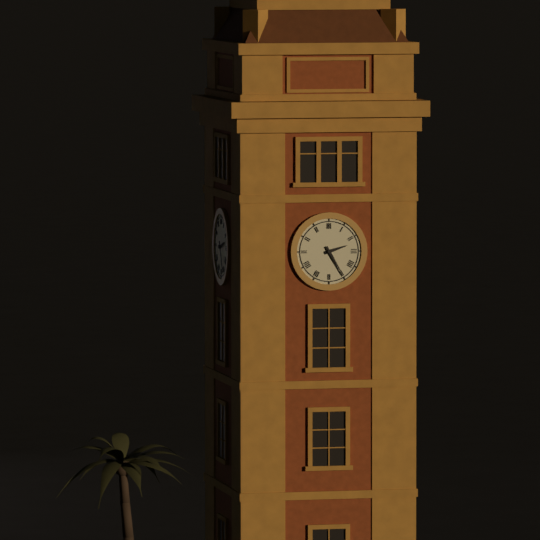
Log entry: 2:25
